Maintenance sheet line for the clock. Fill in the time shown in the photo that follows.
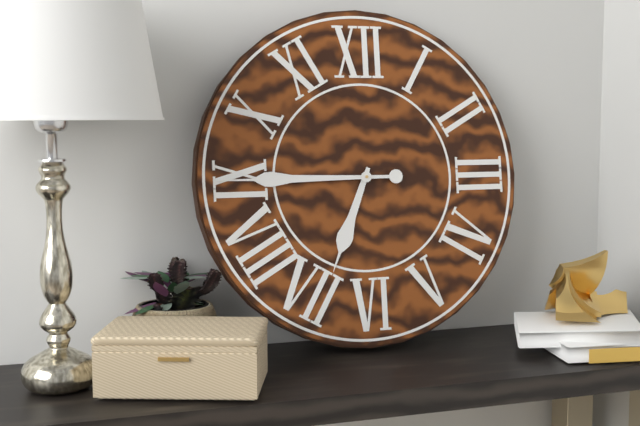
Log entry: 6:45
